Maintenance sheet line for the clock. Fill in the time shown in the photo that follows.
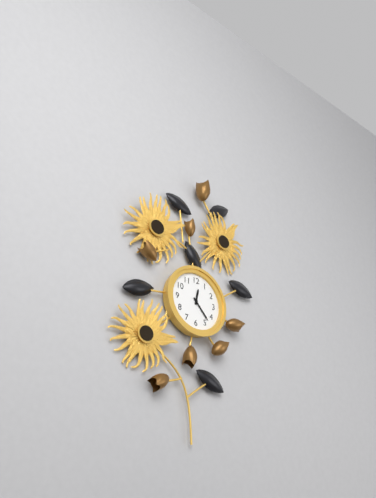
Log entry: 12:23
